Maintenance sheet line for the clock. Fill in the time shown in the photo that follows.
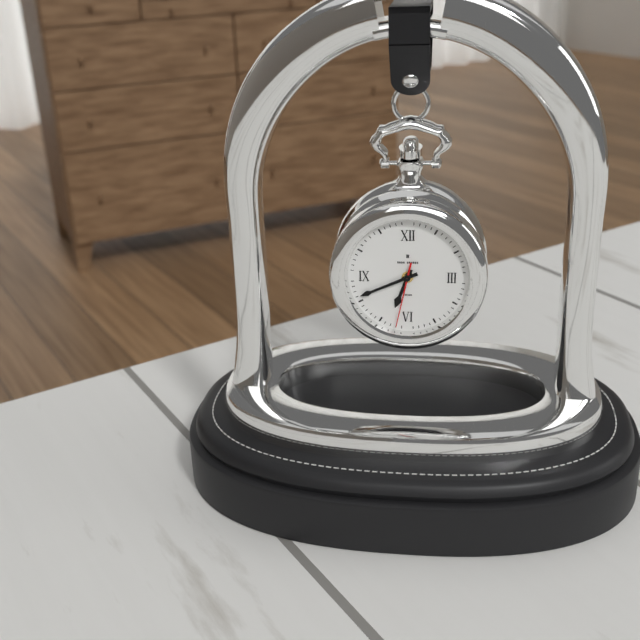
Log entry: 6:41:32
